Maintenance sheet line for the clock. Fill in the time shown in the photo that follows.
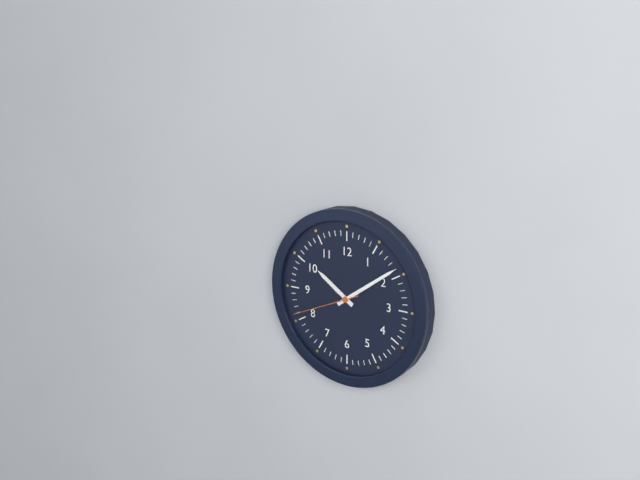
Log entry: 10:09:41
